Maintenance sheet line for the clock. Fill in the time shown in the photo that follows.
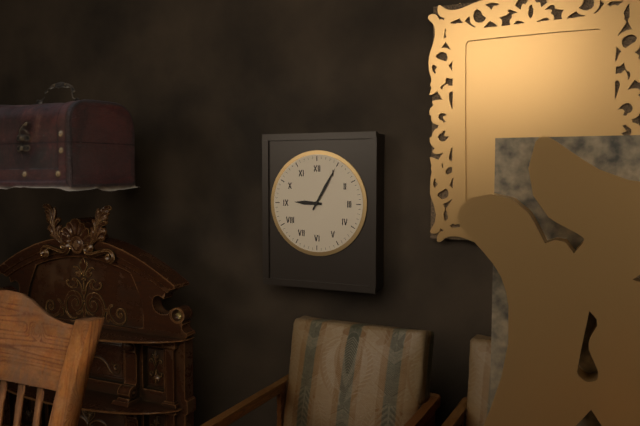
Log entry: 9:05
